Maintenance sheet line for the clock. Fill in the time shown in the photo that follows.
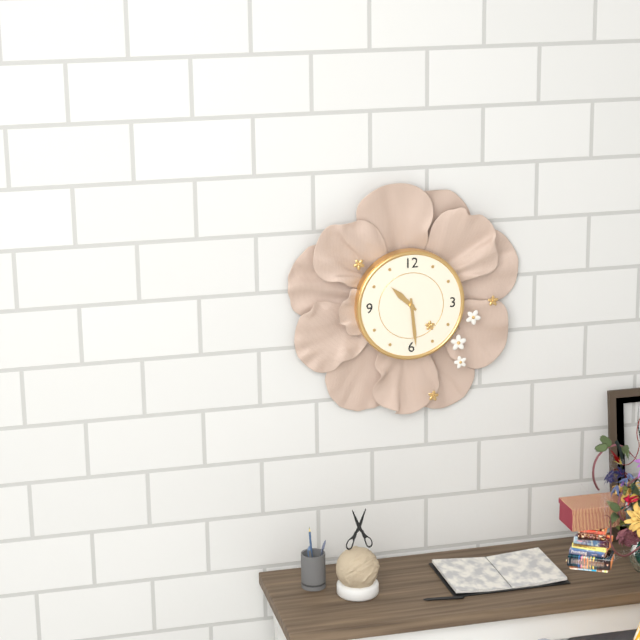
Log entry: 10:29
